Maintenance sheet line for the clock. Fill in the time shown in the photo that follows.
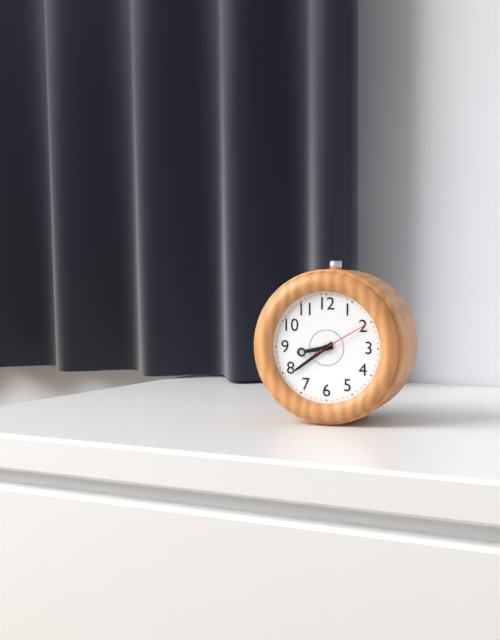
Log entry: 8:39
